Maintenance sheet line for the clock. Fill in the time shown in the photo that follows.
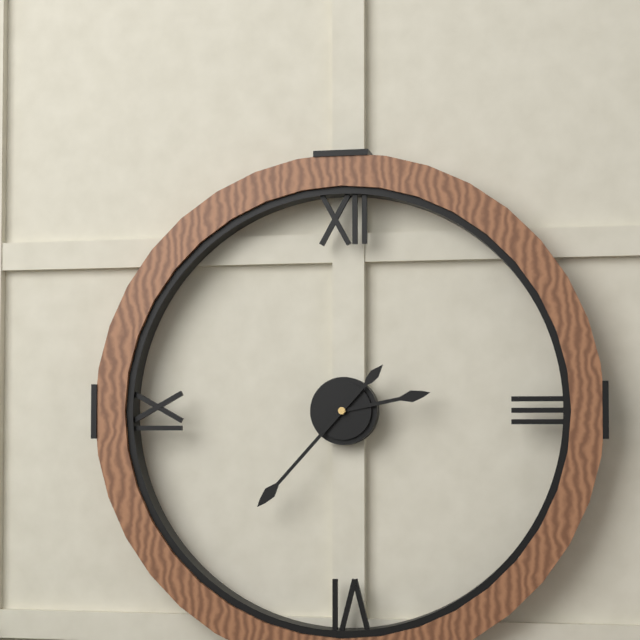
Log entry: 2:37
